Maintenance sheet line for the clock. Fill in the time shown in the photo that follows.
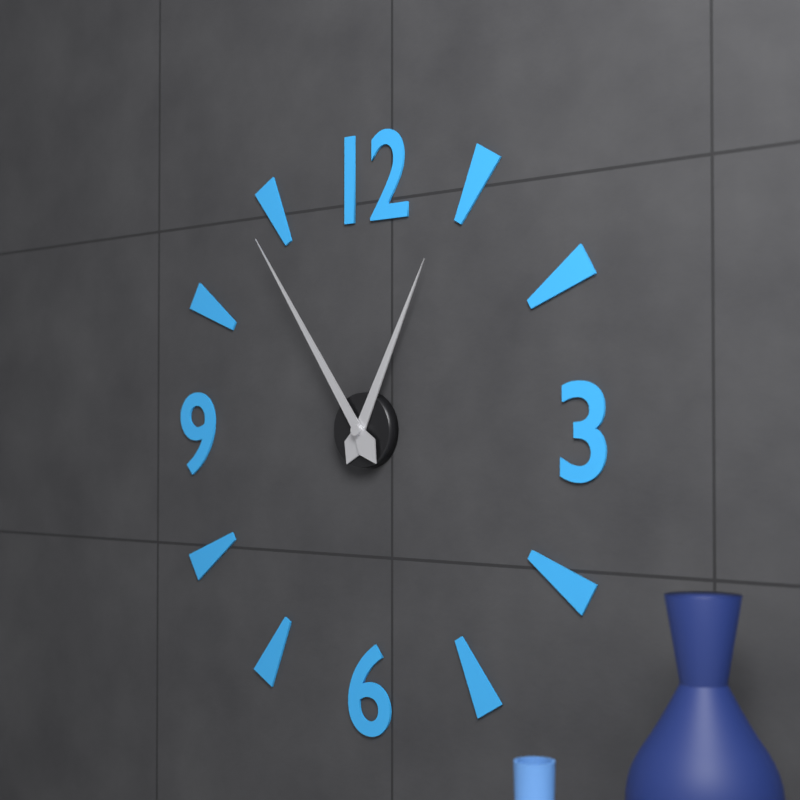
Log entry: 12:54
